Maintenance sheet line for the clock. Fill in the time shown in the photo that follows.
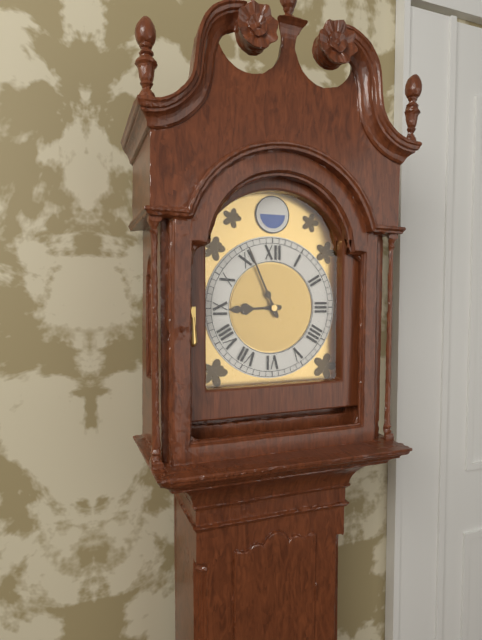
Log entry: 8:56
